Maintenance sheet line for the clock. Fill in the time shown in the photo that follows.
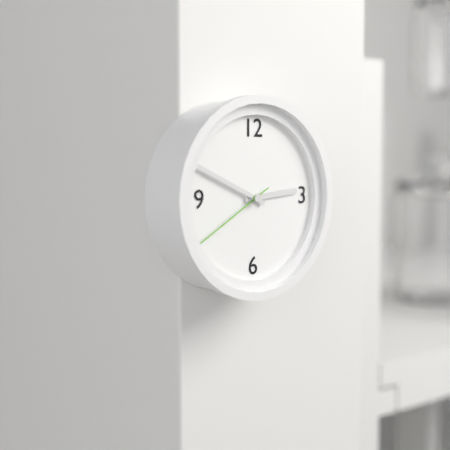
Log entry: 2:49:40
